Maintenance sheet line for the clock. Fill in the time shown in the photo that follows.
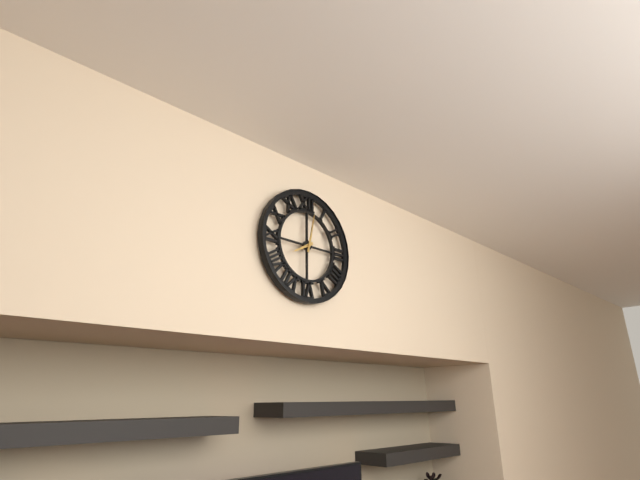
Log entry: 8:02
